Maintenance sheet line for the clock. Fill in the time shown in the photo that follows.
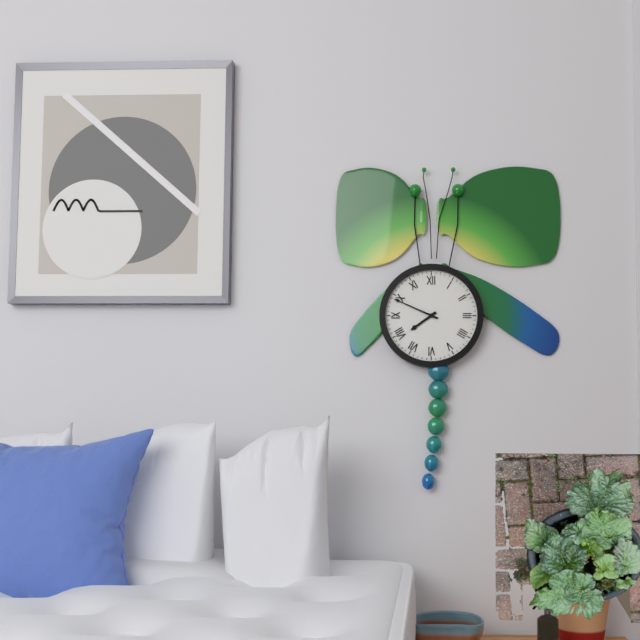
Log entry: 7:49
